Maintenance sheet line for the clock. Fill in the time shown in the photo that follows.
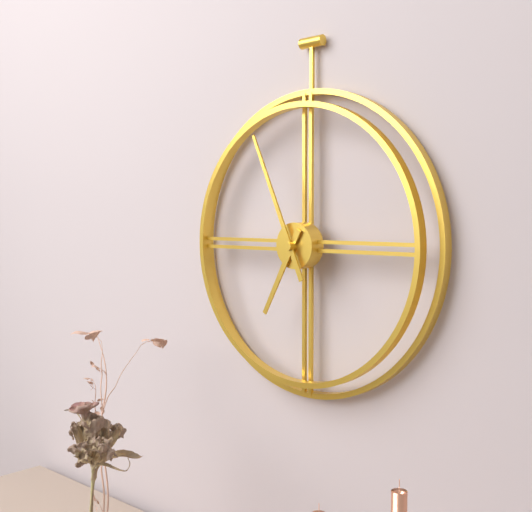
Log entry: 6:56
